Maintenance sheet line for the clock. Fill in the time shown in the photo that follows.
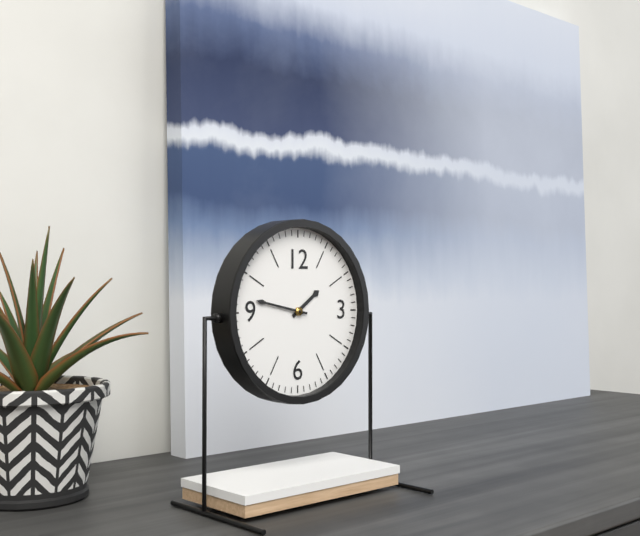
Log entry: 1:47
